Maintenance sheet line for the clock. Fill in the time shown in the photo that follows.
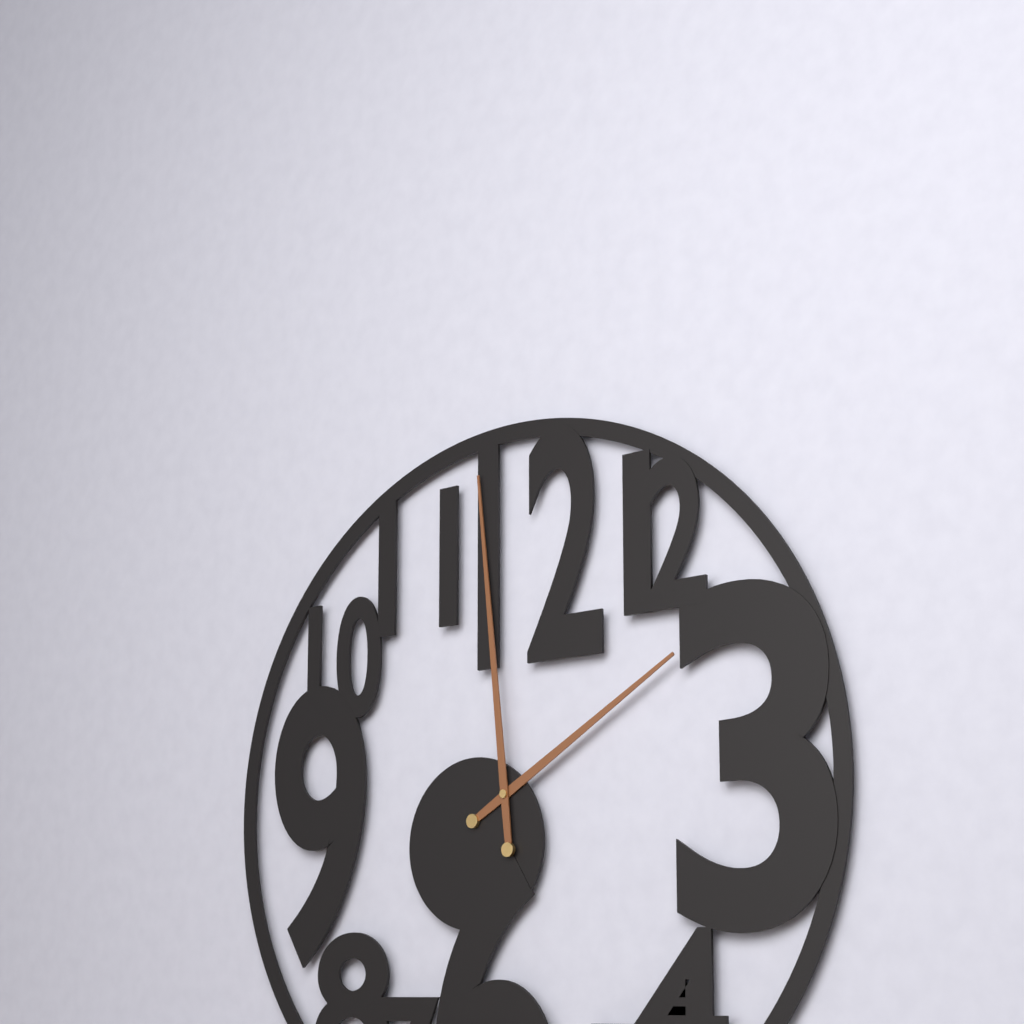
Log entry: 1:59
